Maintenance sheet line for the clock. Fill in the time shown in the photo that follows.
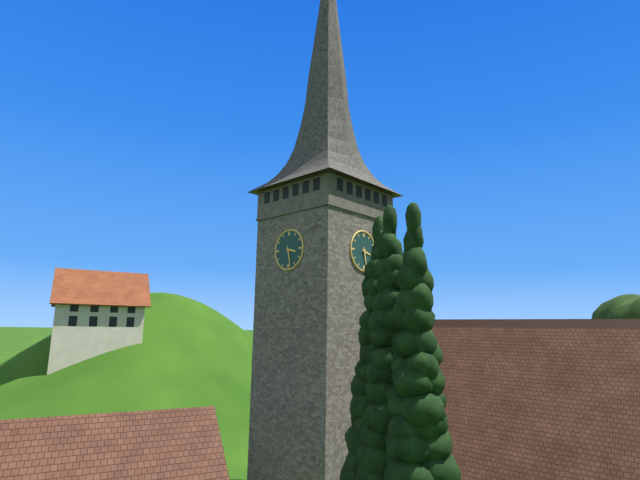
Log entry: 3:28
